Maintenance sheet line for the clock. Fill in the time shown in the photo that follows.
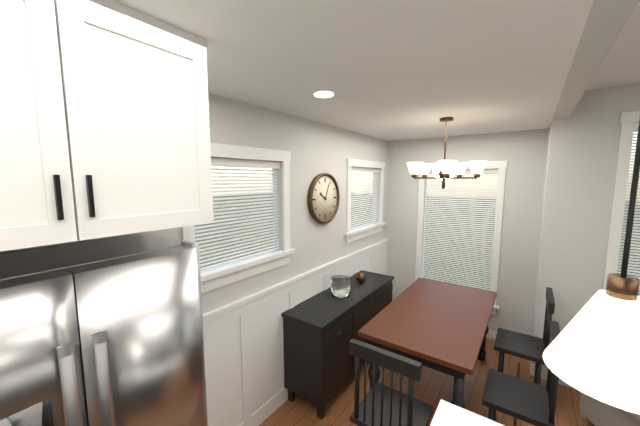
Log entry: 10:04
